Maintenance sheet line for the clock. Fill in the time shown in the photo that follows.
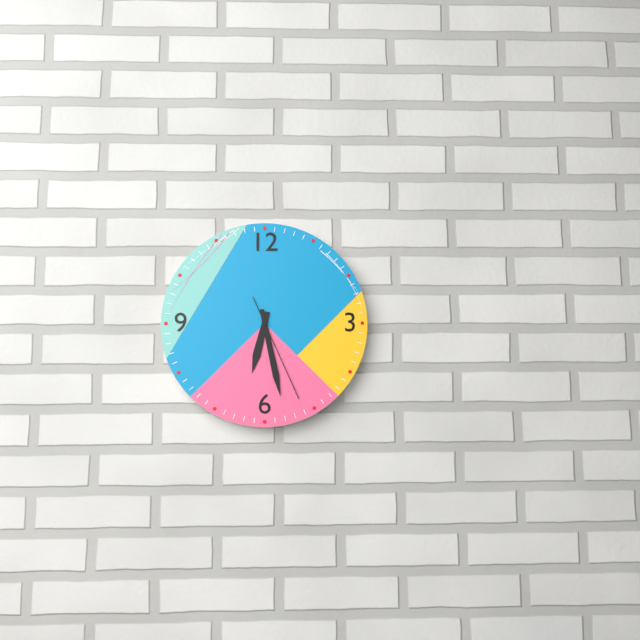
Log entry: 6:28:26
